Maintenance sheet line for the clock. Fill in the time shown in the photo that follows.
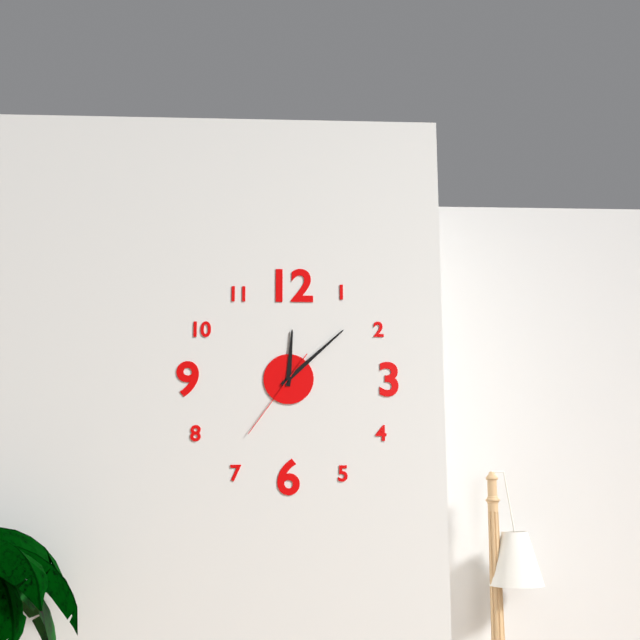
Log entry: 12:08:36
